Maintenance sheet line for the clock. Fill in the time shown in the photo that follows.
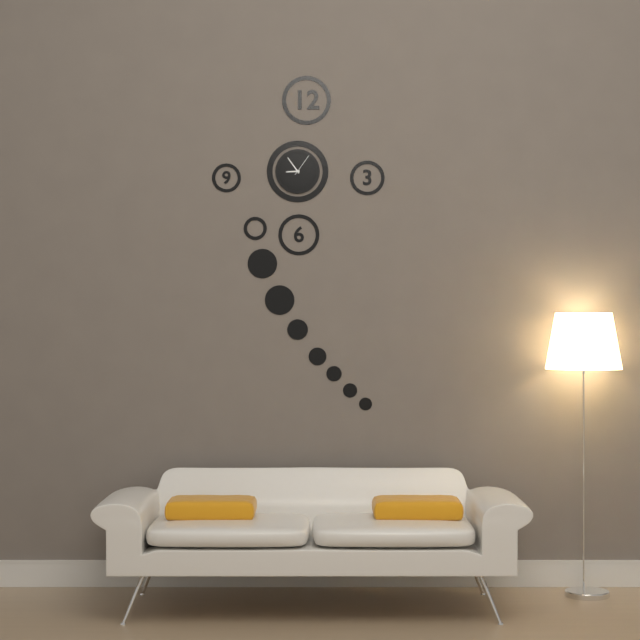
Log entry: 8:54
